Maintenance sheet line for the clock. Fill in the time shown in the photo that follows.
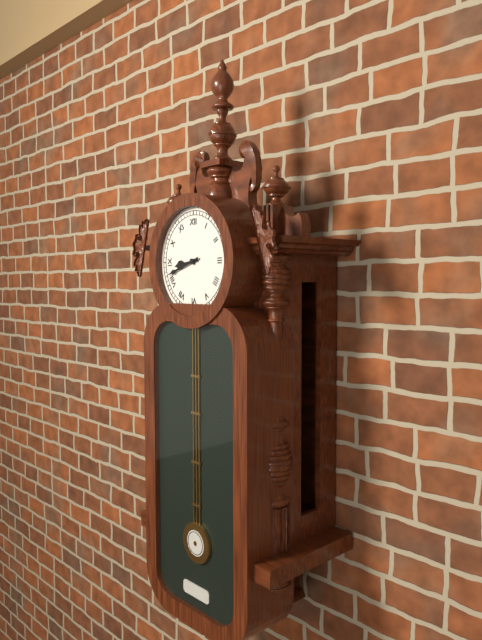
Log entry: 8:42
